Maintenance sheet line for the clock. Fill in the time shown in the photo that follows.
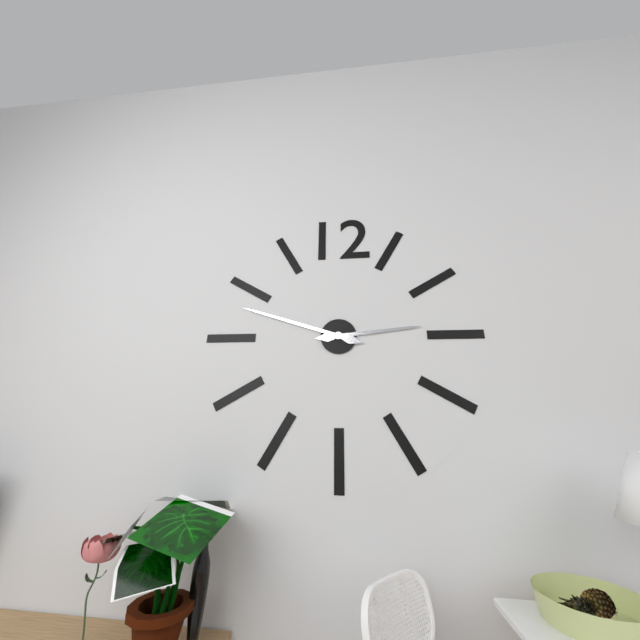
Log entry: 2:48
